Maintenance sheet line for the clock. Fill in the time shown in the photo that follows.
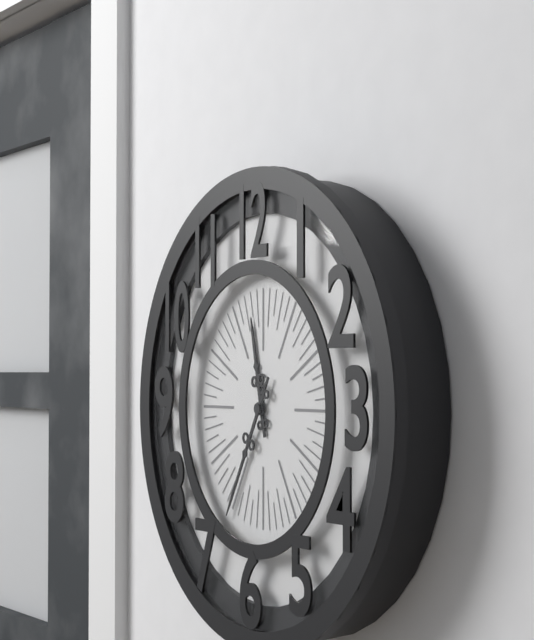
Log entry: 11:35
